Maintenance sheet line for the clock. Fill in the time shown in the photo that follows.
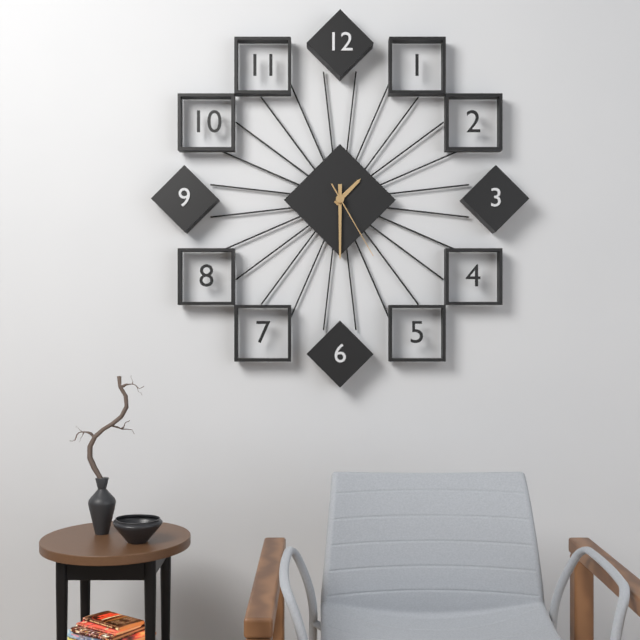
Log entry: 1:30:25
